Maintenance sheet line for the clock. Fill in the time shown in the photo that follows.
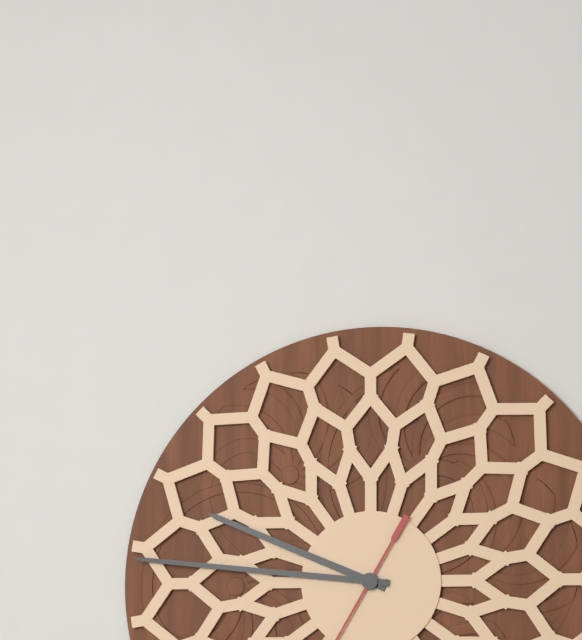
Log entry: 9:46
